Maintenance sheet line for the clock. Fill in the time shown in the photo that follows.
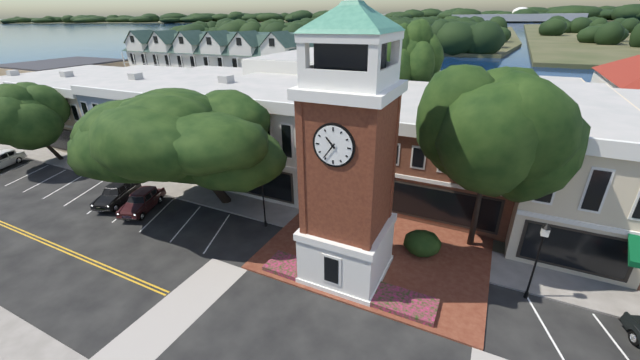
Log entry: 10:36
